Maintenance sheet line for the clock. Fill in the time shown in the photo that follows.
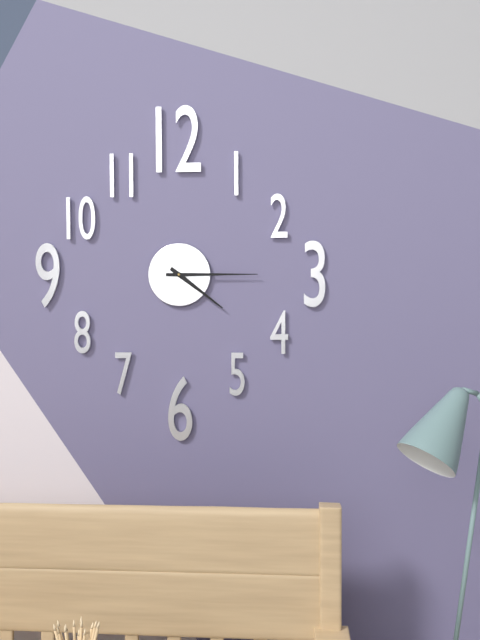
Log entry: 4:15
